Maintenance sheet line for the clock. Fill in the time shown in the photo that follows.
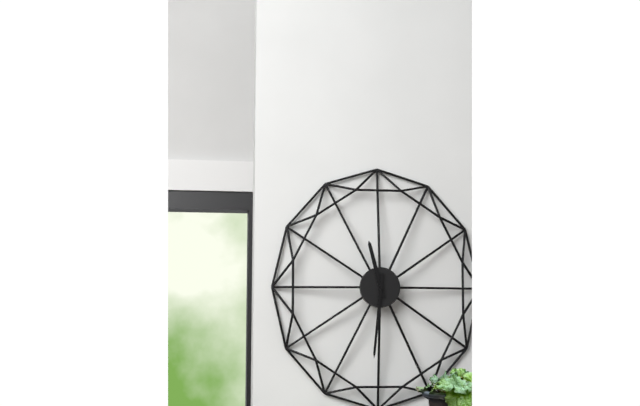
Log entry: 11:31
